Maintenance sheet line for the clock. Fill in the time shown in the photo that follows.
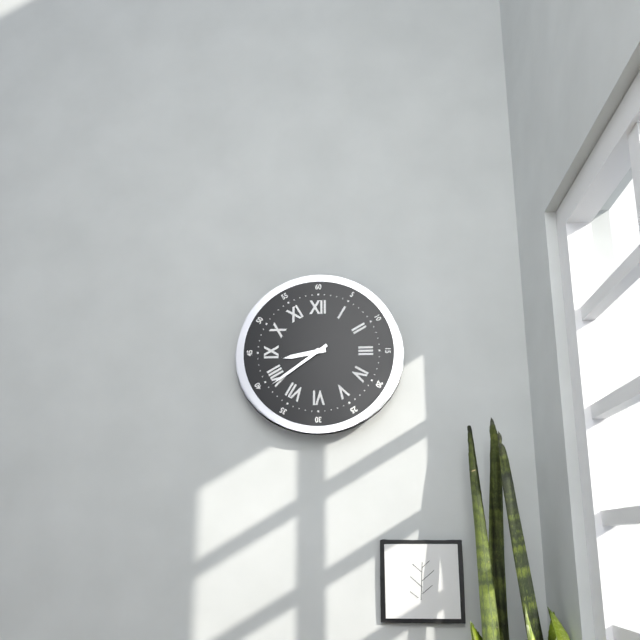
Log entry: 8:39
